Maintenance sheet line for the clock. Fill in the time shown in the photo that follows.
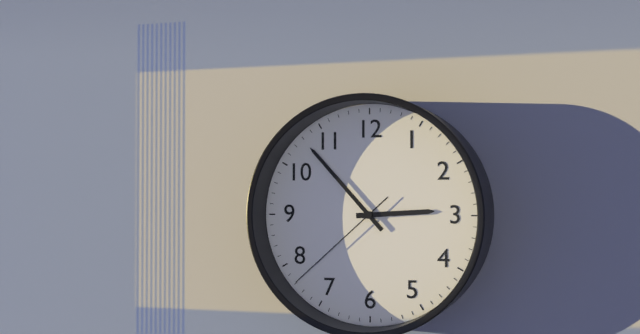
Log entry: 2:53:38
